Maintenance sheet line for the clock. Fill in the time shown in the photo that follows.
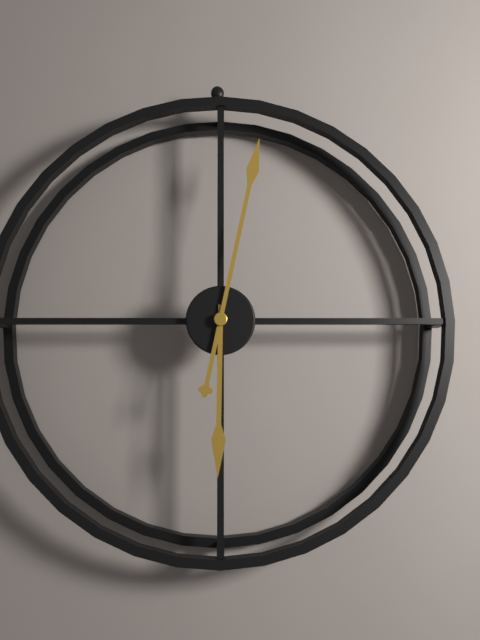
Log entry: 6:02
